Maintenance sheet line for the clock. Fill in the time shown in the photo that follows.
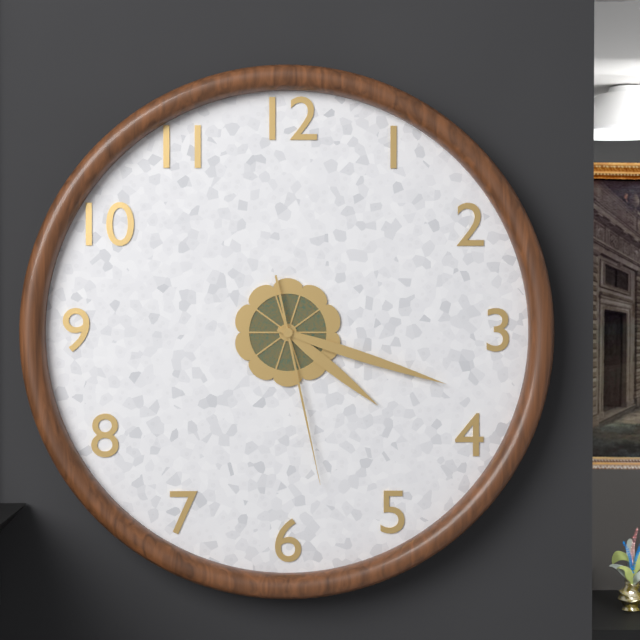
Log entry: 4:18:28
